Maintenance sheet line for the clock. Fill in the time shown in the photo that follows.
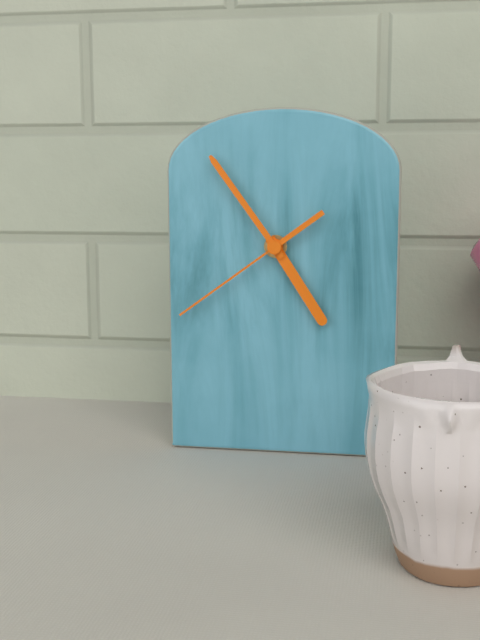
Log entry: 4:54:39
